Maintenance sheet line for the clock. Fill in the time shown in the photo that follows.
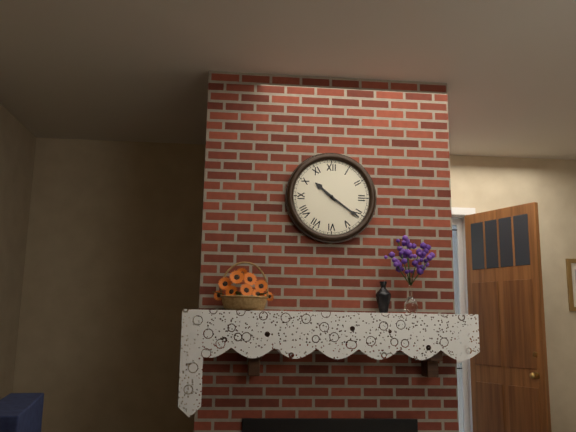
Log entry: 10:21
